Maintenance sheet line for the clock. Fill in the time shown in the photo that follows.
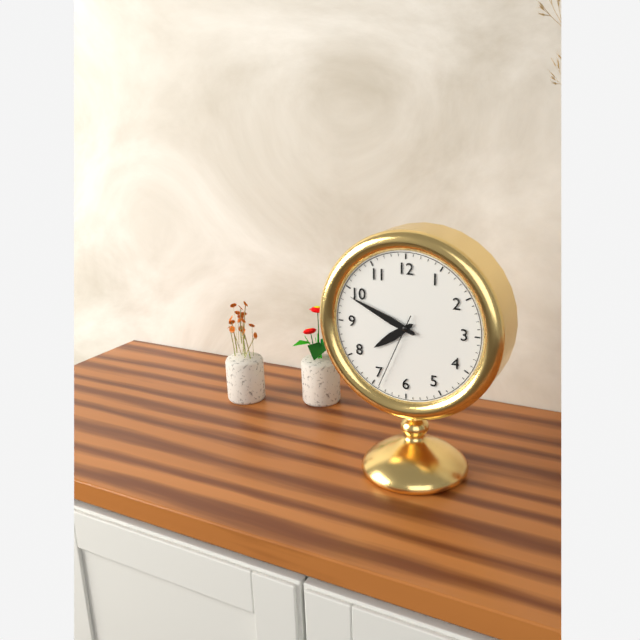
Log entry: 7:49:34
